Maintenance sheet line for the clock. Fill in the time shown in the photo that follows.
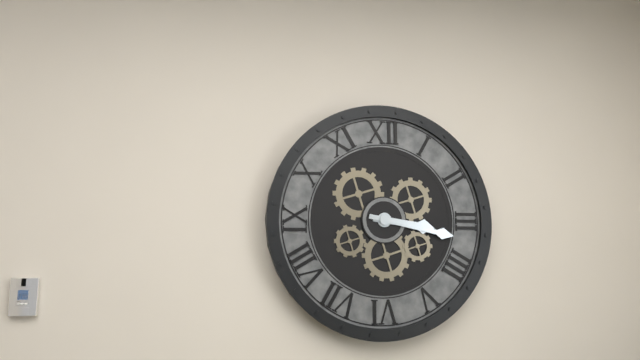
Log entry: 3:17
